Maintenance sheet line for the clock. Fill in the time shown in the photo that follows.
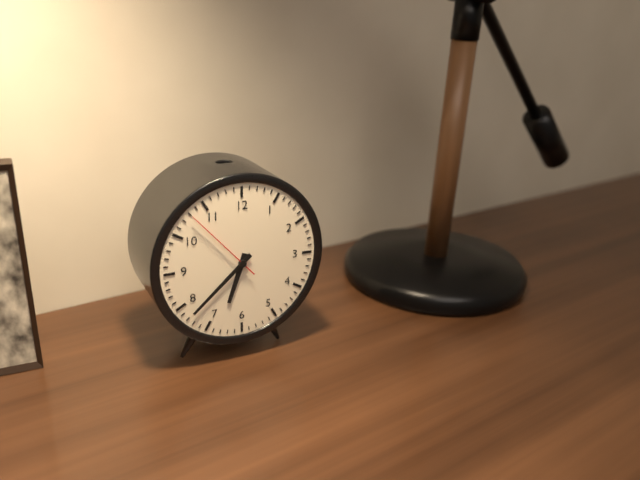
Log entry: 6:38:53
